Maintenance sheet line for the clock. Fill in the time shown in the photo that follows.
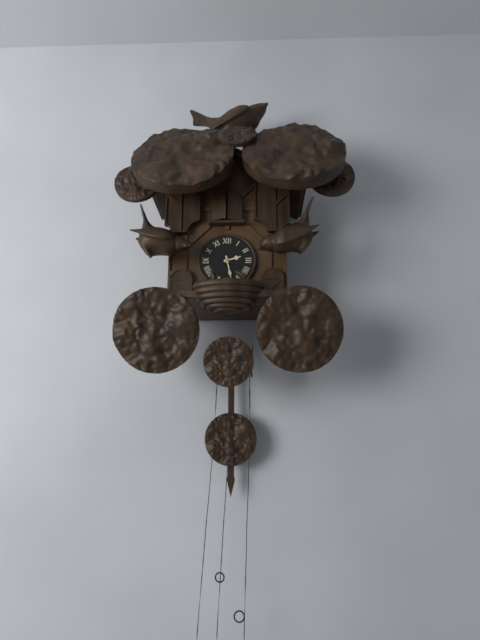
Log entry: 2:28
